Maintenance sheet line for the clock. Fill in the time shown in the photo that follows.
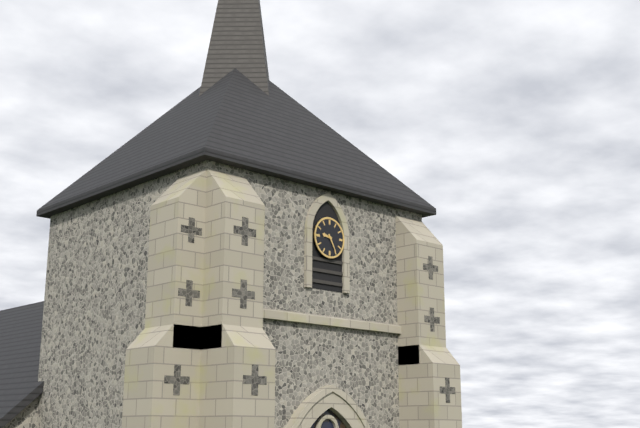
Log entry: 9:25
